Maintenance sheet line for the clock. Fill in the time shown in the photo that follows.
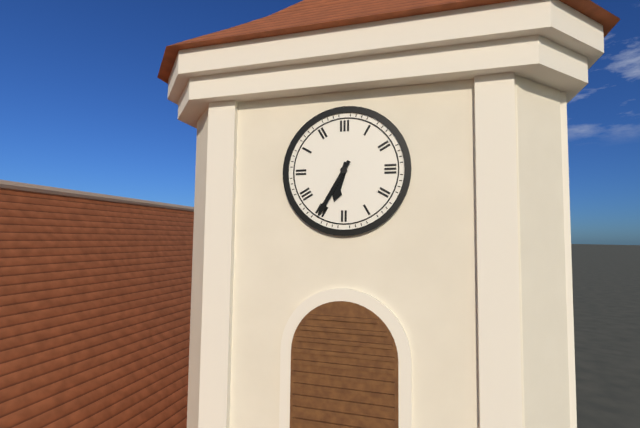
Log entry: 6:35
